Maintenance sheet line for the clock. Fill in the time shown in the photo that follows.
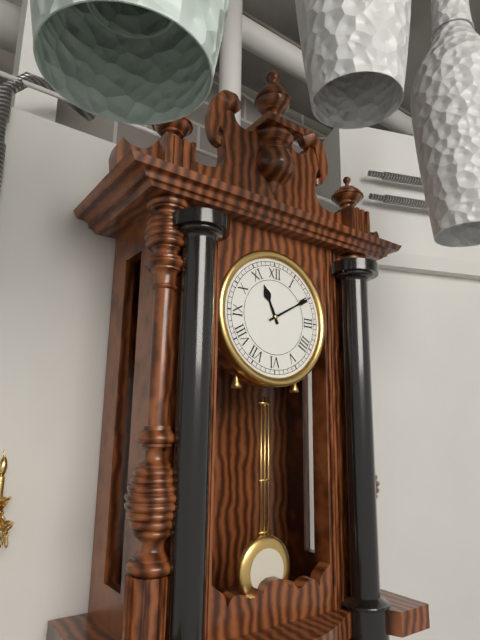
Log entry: 11:10
